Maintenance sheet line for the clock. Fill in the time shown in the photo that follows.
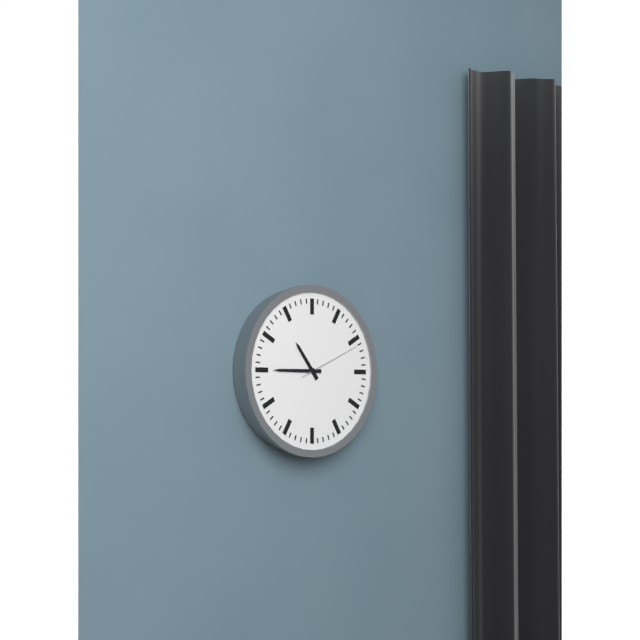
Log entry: 10:45:11
